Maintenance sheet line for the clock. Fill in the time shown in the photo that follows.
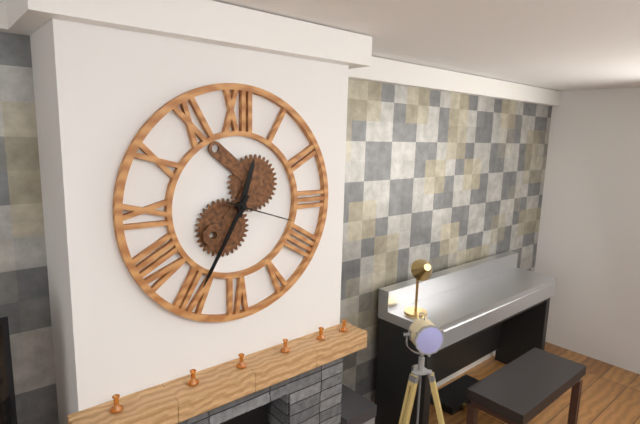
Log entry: 12:35:18
